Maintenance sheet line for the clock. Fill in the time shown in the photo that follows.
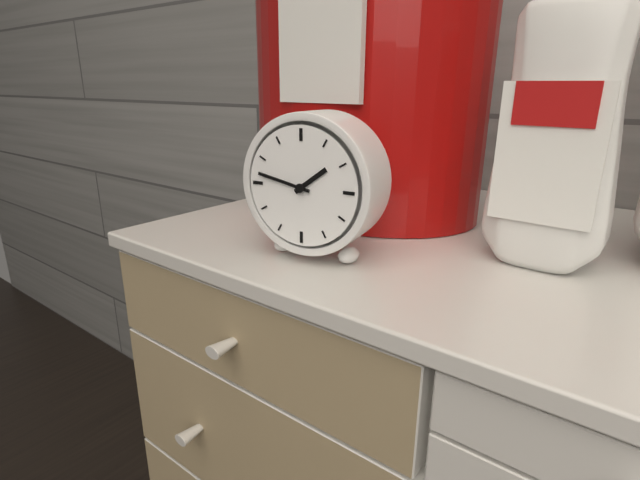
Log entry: 1:47
